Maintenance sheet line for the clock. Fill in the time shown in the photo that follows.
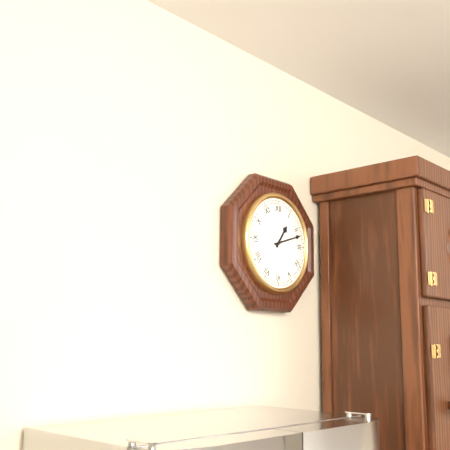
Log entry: 1:12
